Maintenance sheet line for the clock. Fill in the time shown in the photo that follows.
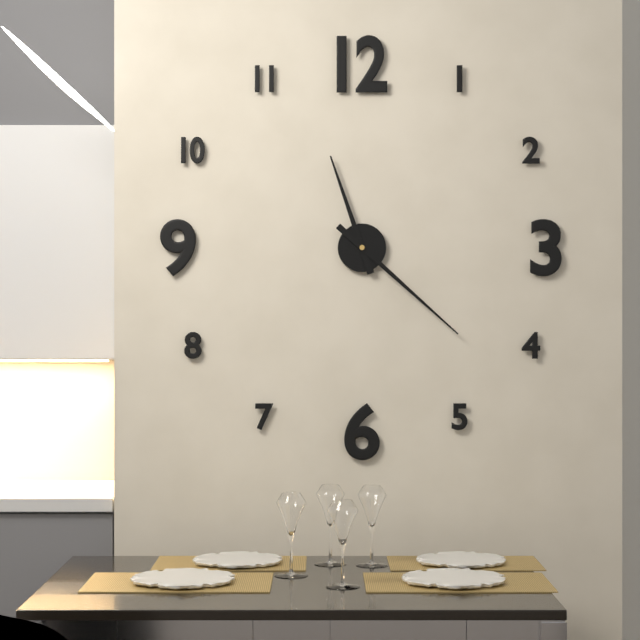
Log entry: 11:22
